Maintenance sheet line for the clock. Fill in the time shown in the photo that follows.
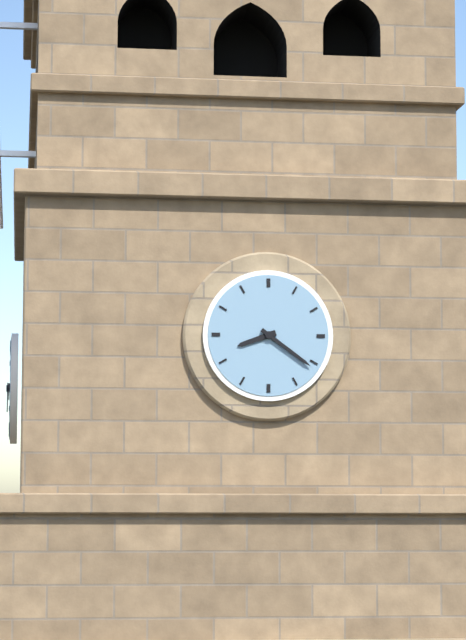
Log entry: 8:21
